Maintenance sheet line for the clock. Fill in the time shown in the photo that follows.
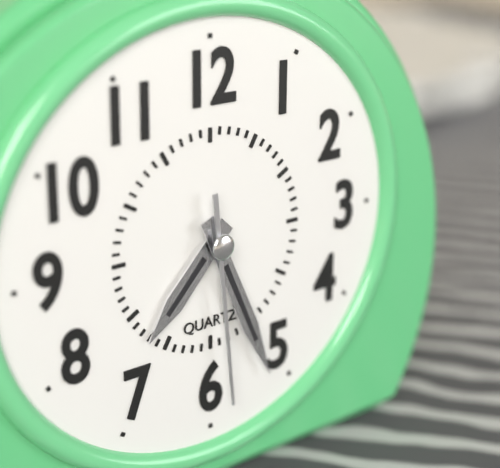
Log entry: 7:26:29
